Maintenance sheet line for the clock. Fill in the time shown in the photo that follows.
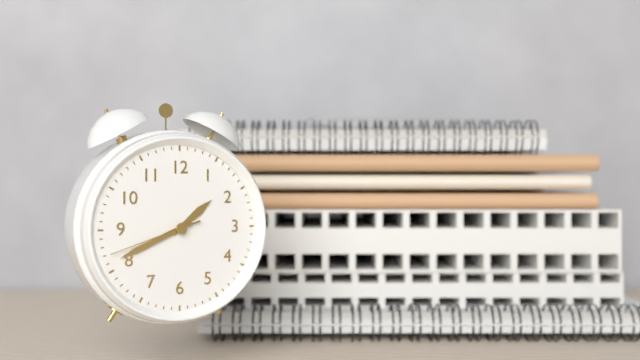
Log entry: 1:41:42
